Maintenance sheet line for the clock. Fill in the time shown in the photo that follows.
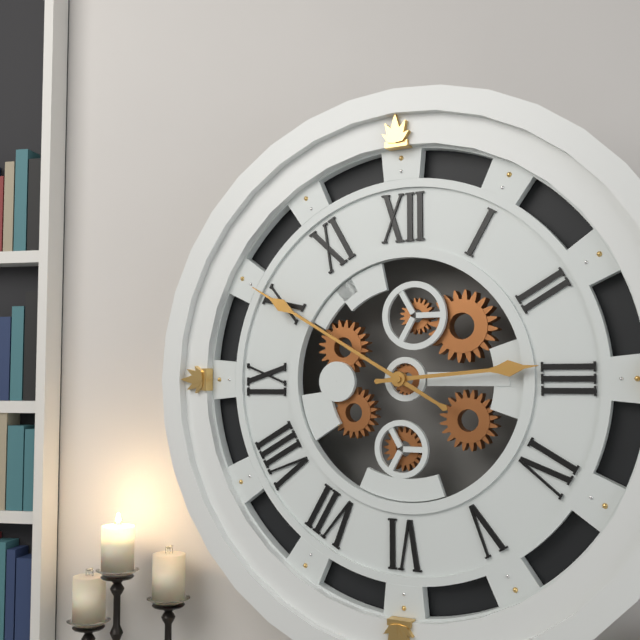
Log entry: 2:50
